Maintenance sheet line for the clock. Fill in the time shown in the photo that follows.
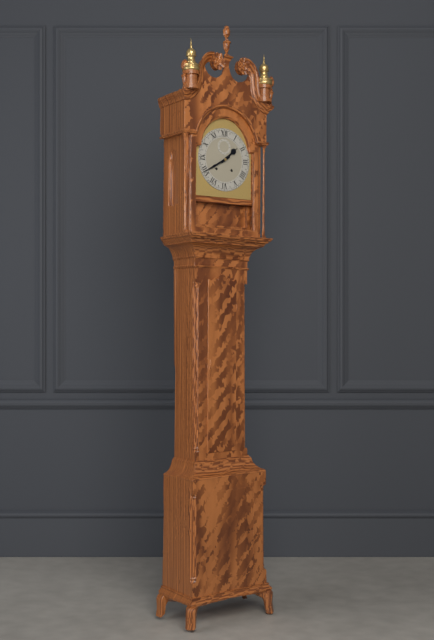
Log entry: 1:40
